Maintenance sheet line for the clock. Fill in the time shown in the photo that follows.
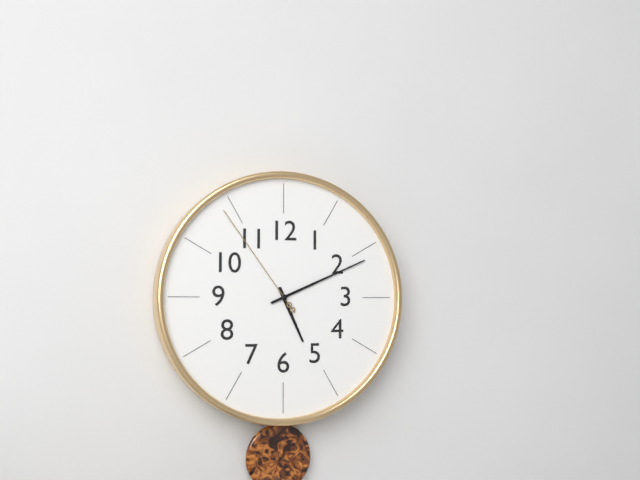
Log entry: 5:11:54
